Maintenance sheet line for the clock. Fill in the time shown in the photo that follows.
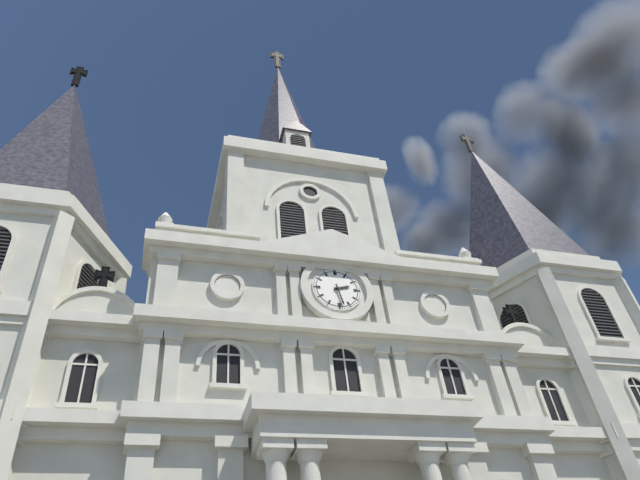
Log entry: 2:28
